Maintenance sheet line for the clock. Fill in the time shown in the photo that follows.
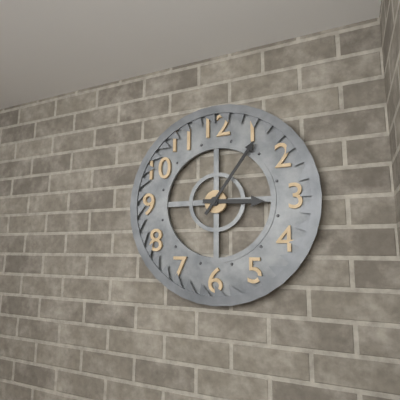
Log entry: 3:06
